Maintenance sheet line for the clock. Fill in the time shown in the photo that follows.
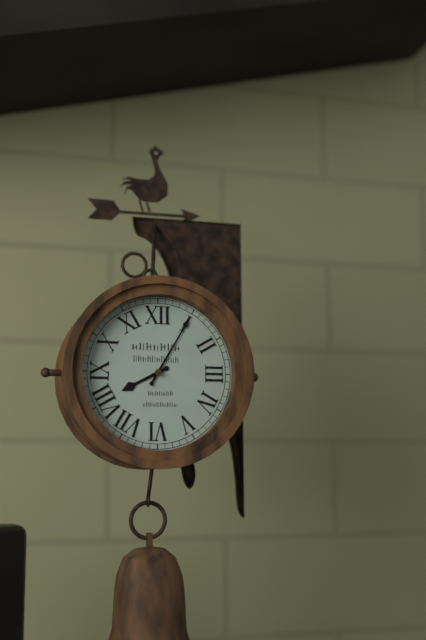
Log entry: 8:05
